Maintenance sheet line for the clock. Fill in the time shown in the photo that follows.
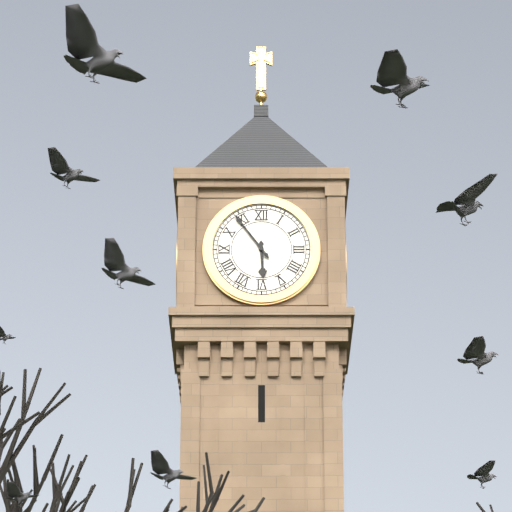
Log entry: 5:54
